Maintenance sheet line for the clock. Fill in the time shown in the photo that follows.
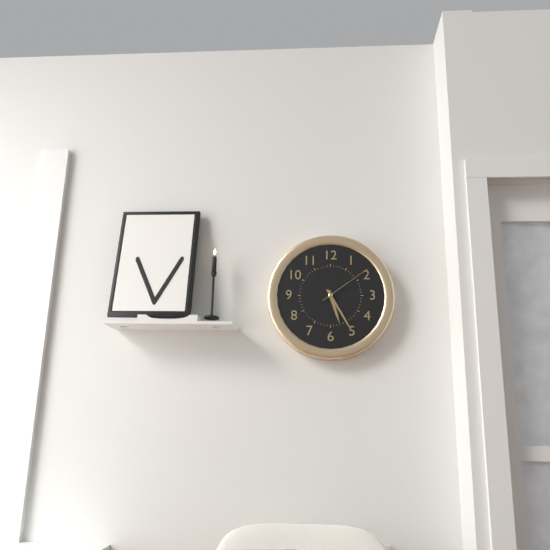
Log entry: 5:25:09
